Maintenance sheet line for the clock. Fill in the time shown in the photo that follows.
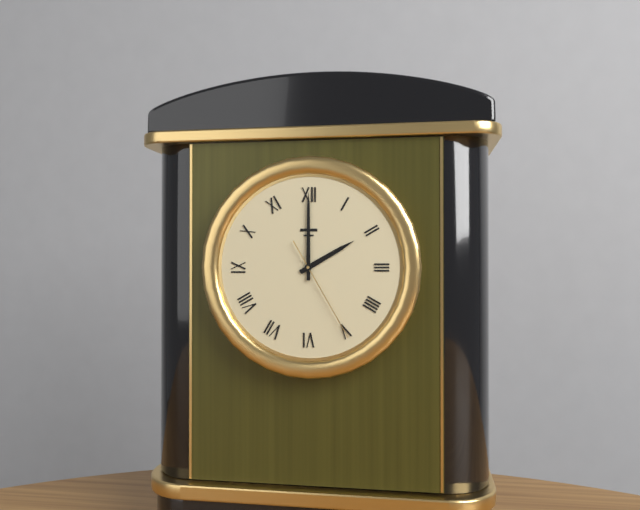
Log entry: 2:00:25
